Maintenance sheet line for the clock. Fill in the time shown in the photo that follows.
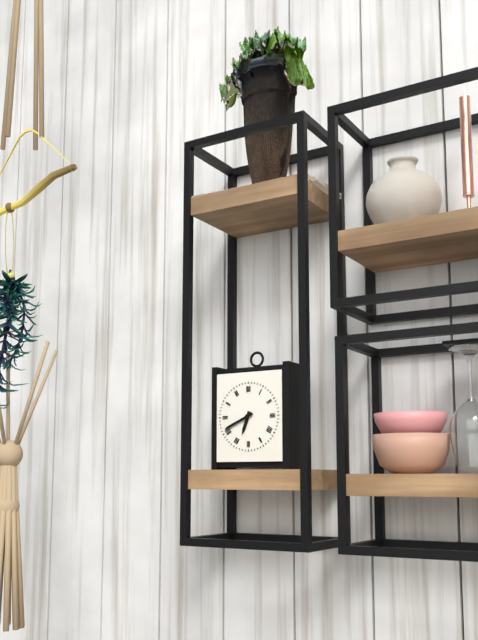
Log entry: 6:41
